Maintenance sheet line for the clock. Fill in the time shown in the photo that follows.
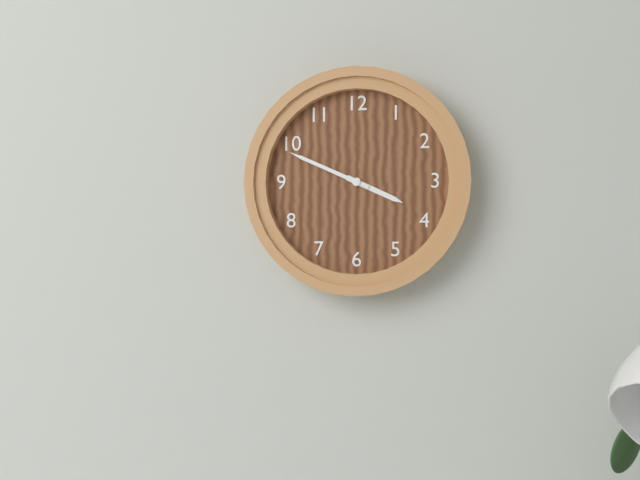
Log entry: 3:49
